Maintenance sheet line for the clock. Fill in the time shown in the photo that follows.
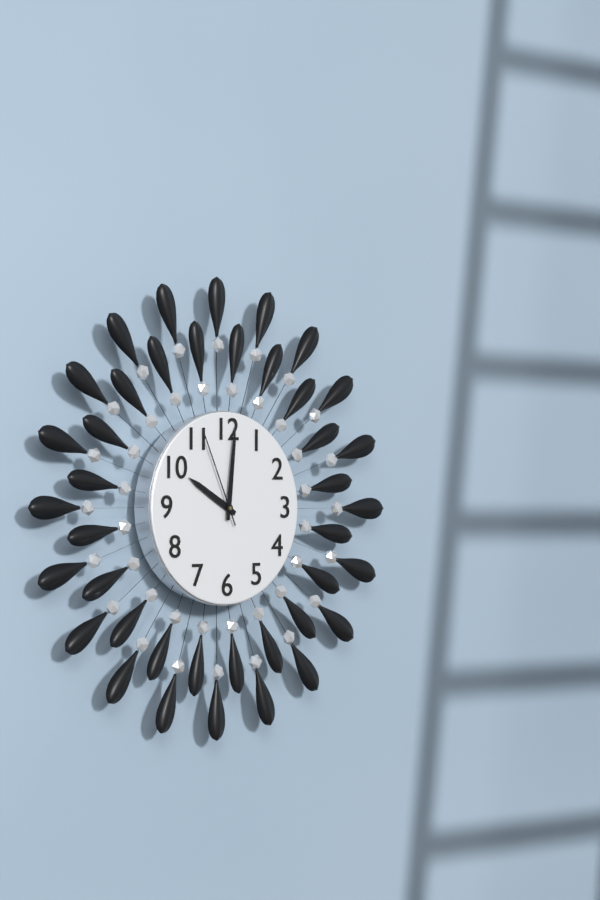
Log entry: 10:01:56
